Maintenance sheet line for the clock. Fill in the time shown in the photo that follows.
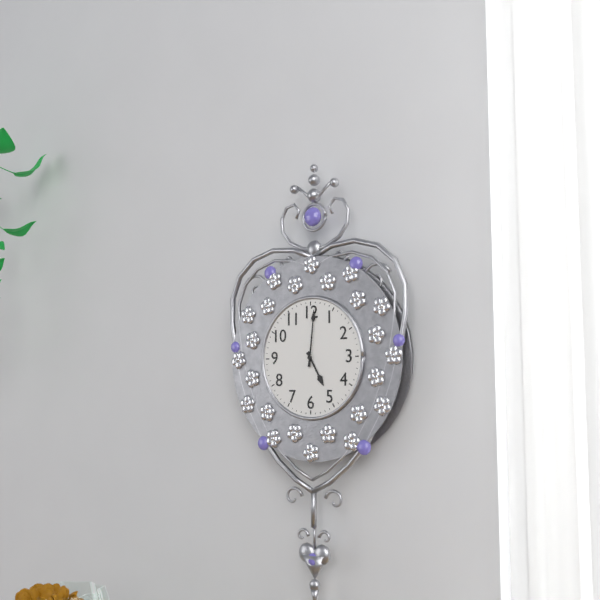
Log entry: 5:01
